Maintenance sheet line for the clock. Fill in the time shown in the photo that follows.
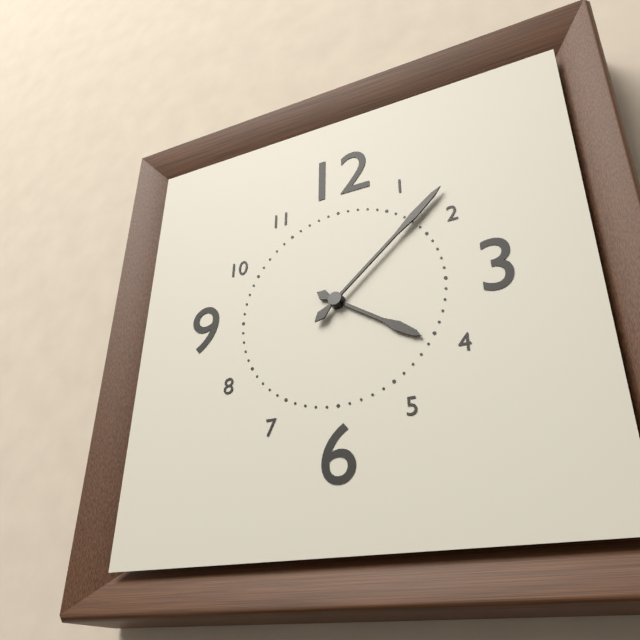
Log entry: 4:08
